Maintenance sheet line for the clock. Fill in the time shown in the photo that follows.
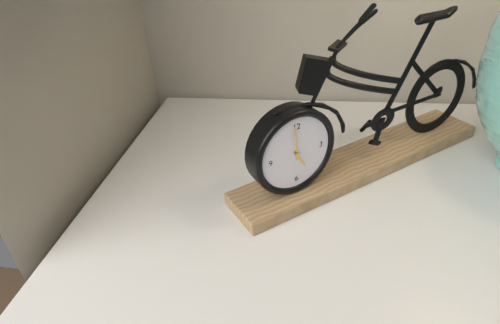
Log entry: 4:59
